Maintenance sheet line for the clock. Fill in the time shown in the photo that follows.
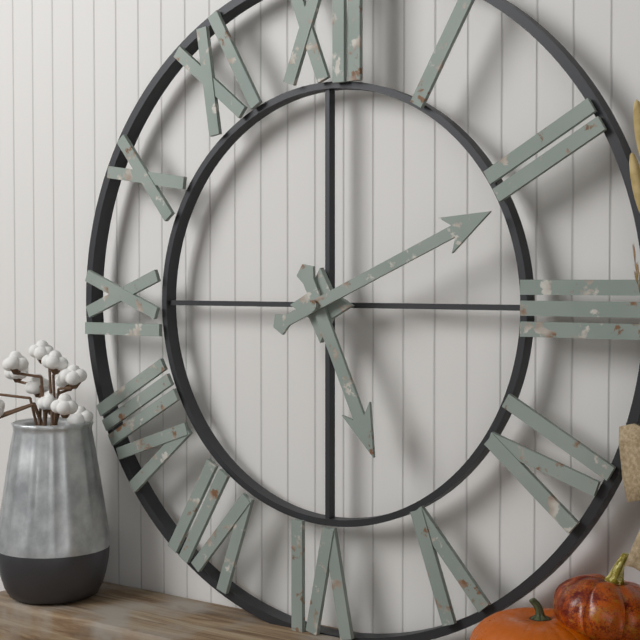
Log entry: 5:11
